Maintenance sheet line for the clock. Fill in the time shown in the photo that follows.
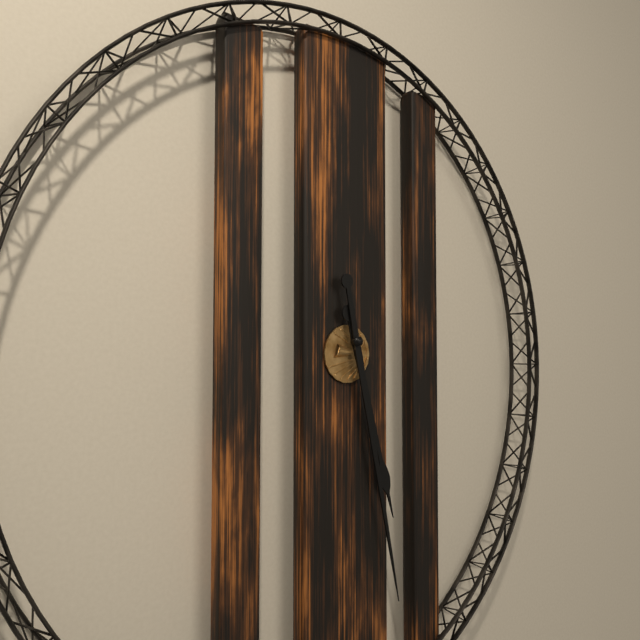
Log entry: 5:28
